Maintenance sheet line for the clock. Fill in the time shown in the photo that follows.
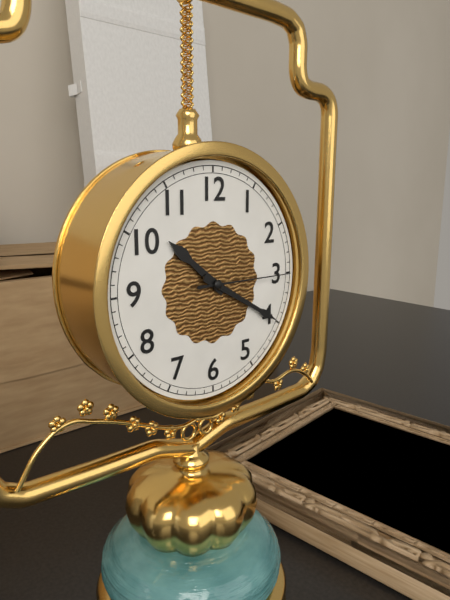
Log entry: 10:20:15
